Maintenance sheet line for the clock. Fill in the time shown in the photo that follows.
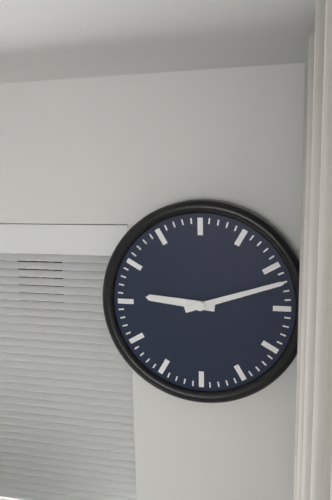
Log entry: 9:12
